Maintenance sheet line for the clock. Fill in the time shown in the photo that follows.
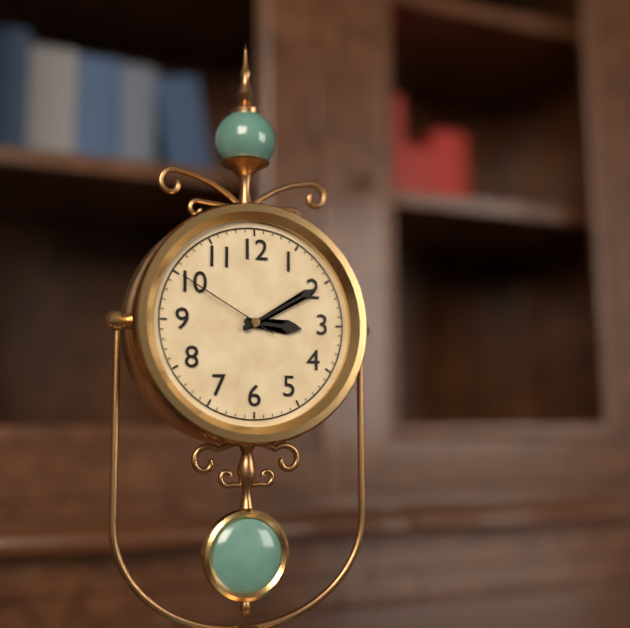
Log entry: 3:10:50
